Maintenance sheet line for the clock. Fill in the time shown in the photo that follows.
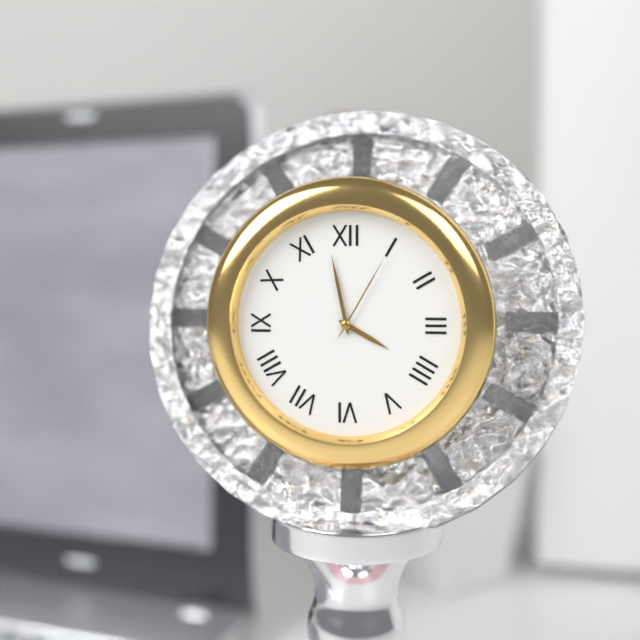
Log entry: 3:58:05
